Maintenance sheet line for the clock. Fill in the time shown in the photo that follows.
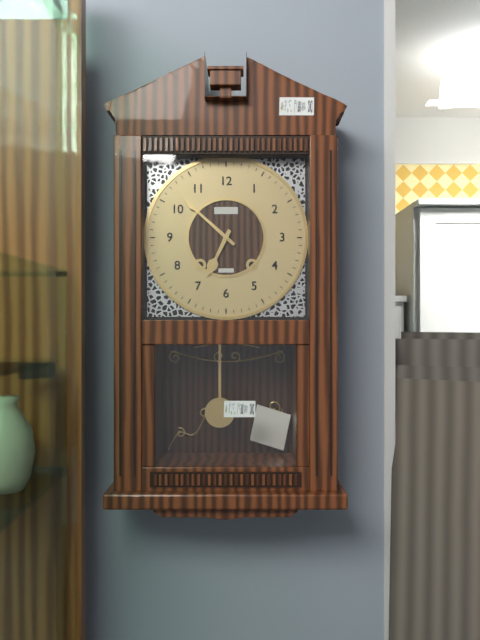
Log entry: 6:52
